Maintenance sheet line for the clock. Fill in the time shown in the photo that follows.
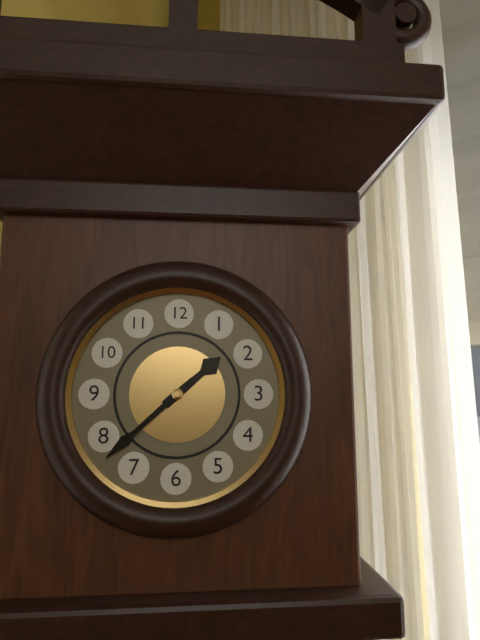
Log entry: 1:38
